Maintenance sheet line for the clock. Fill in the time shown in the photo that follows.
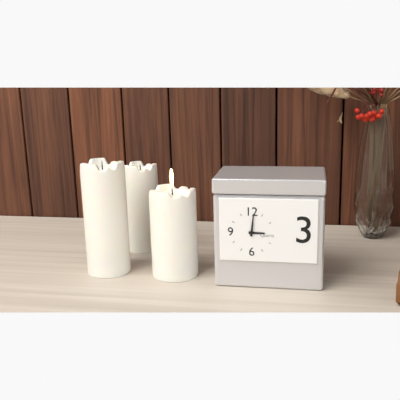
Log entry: 3:01
